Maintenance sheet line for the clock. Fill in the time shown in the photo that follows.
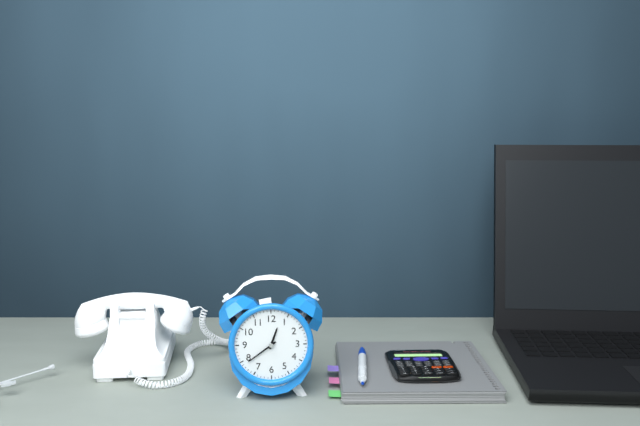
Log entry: 12:39
